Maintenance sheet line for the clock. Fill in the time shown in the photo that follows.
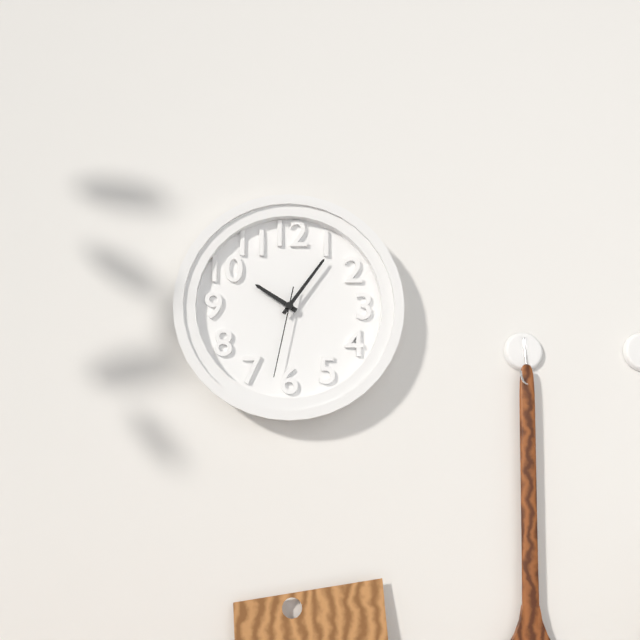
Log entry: 10:06:32
